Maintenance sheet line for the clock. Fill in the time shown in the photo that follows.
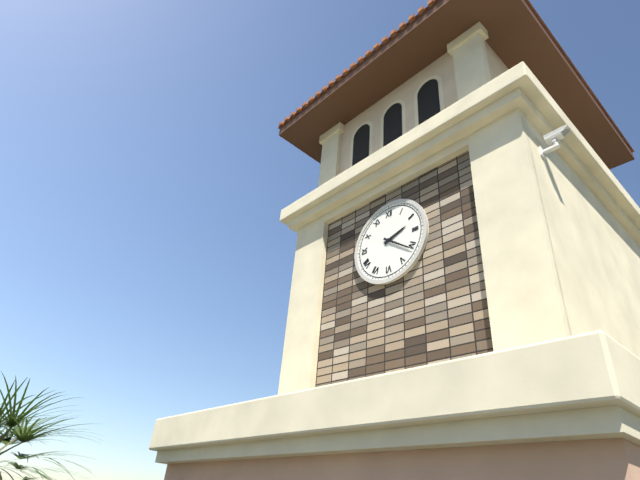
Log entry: 2:21
